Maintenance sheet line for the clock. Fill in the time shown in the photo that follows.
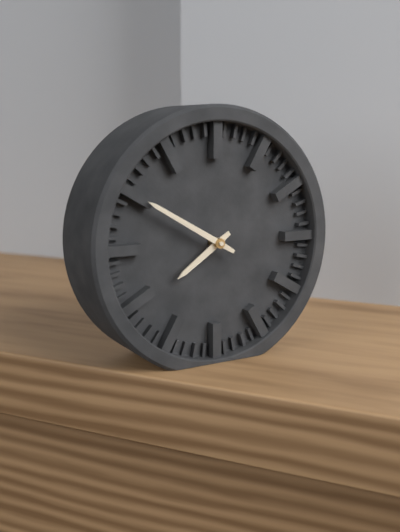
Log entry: 7:50
